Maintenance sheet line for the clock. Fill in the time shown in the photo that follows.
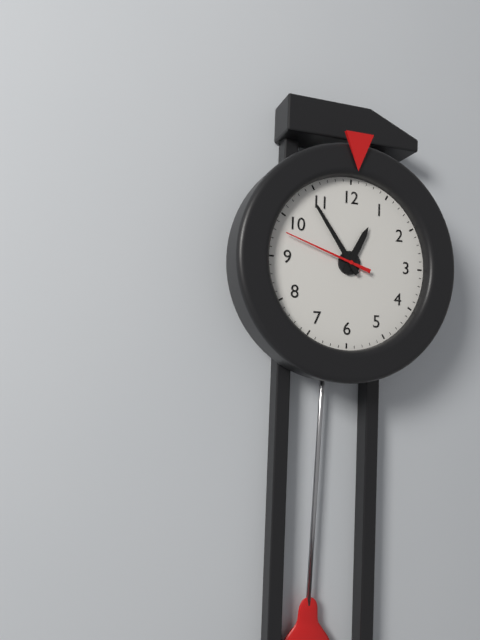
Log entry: 12:54:48
